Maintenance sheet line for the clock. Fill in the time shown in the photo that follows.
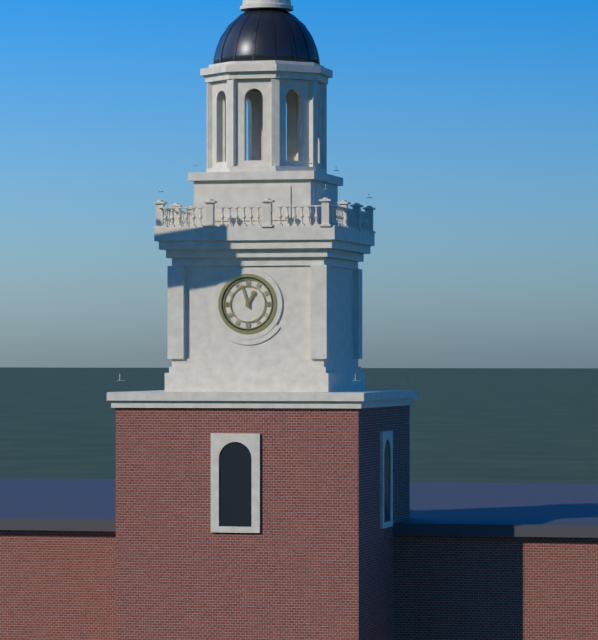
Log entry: 12:57
